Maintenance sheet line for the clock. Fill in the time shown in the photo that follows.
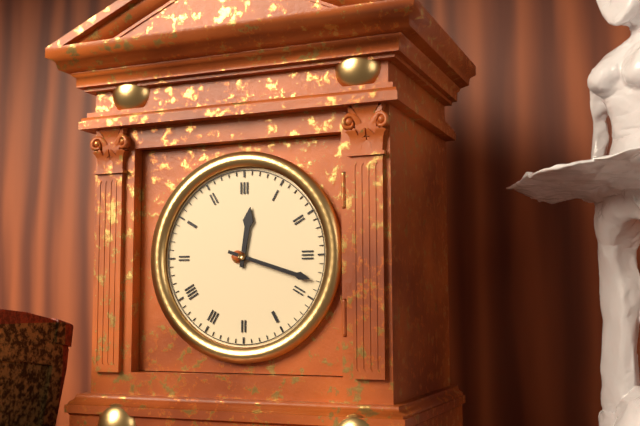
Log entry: 12:18
